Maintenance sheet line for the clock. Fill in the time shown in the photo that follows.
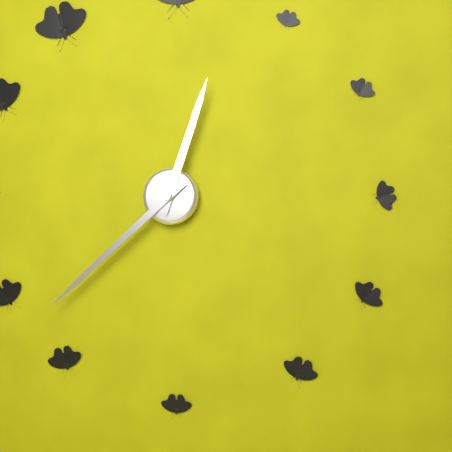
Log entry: 12:38
